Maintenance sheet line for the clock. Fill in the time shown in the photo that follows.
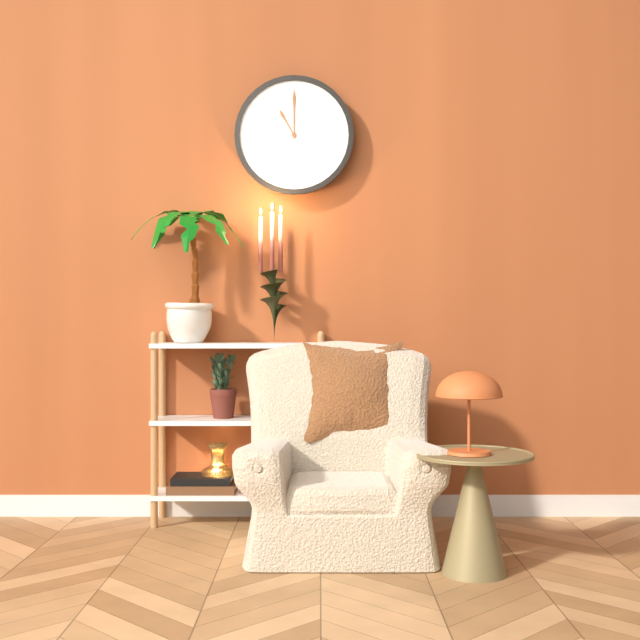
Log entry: 11:00
